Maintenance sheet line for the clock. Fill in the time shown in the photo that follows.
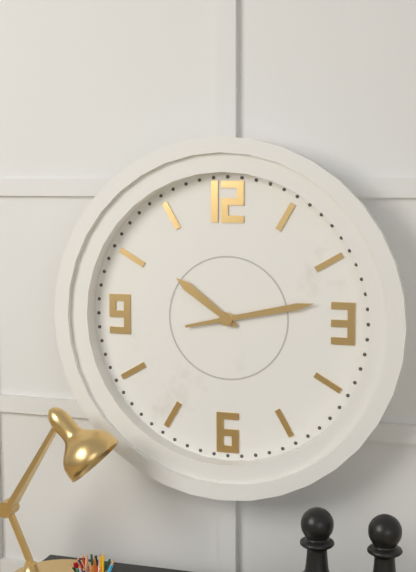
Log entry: 10:13
